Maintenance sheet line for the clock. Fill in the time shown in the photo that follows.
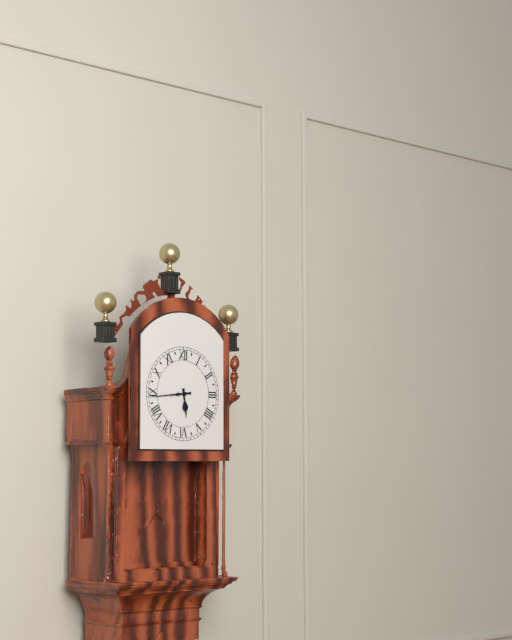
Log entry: 5:44
